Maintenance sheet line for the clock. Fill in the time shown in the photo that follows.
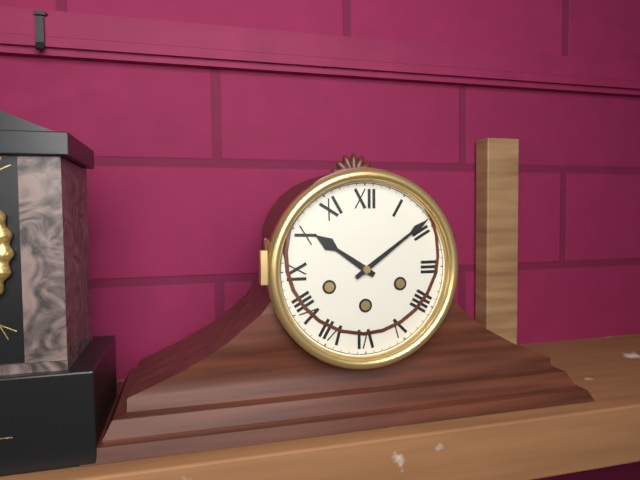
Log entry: 10:09
